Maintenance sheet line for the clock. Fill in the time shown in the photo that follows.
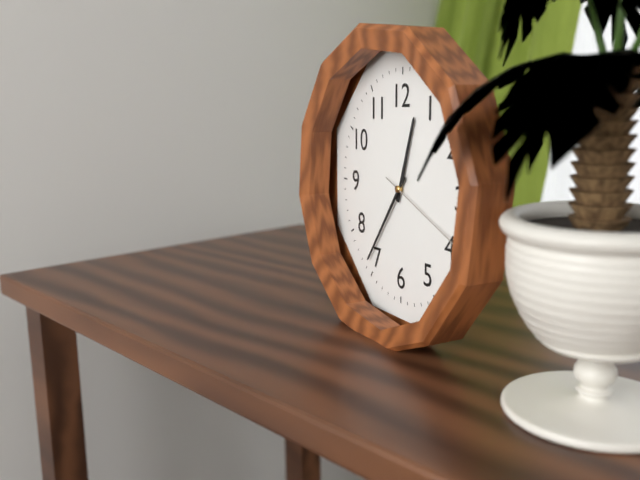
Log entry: 12:36:19
